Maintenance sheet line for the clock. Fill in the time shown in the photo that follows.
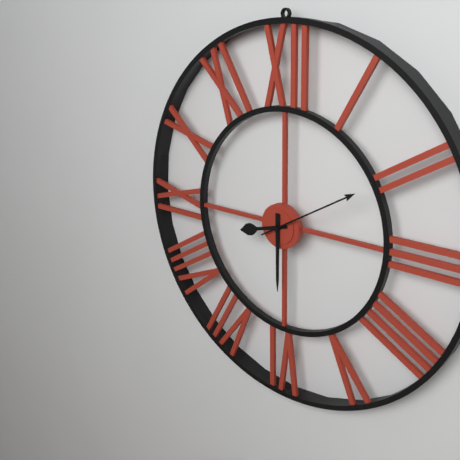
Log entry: 8:30:10
